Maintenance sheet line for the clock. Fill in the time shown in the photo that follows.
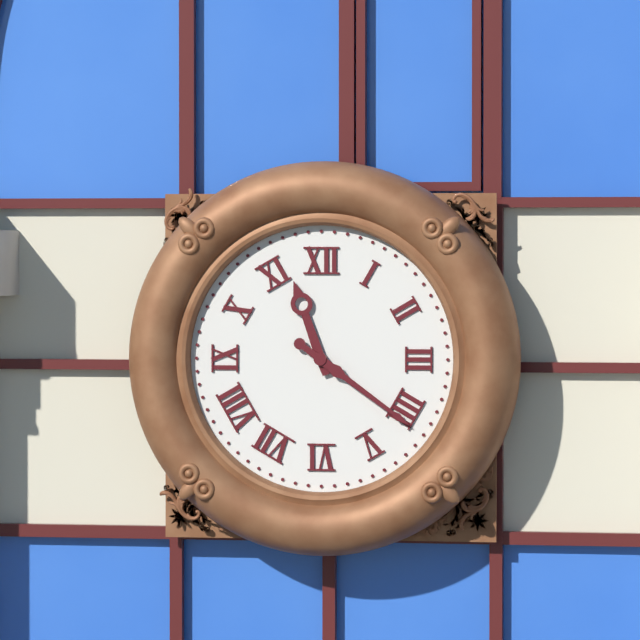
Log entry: 11:21
